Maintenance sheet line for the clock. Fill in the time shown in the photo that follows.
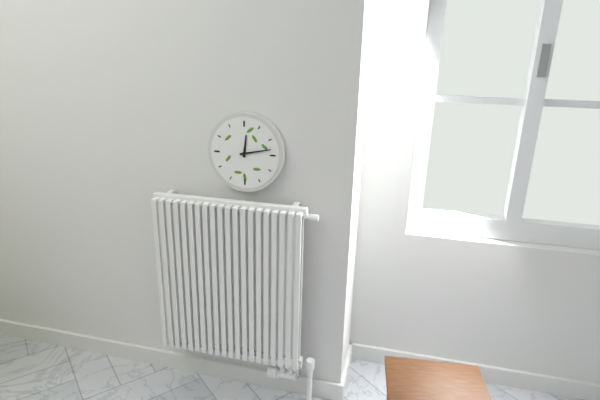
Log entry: 12:13
